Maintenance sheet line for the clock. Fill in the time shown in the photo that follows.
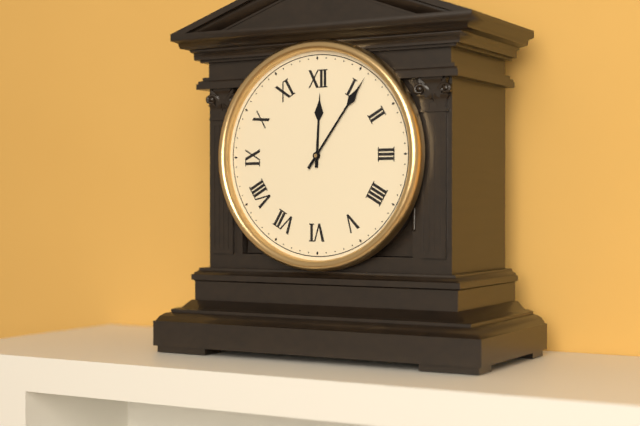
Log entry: 12:06
